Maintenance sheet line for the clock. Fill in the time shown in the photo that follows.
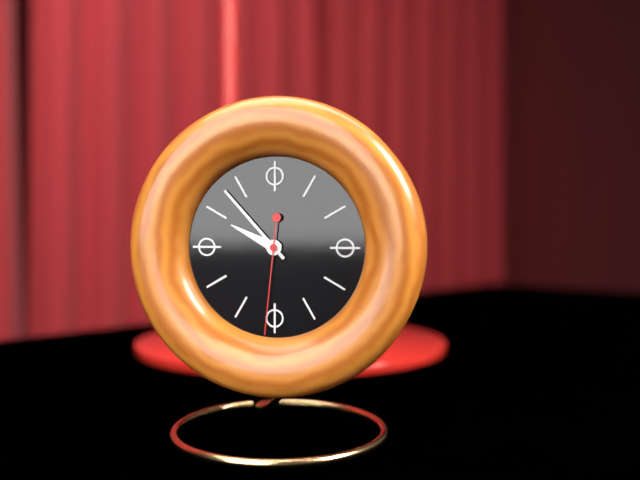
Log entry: 9:53:31
